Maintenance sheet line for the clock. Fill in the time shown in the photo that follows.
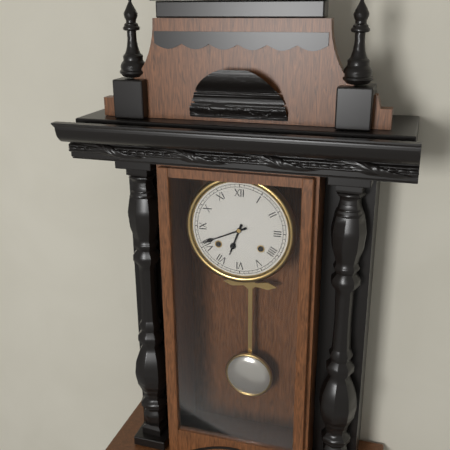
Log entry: 6:41
